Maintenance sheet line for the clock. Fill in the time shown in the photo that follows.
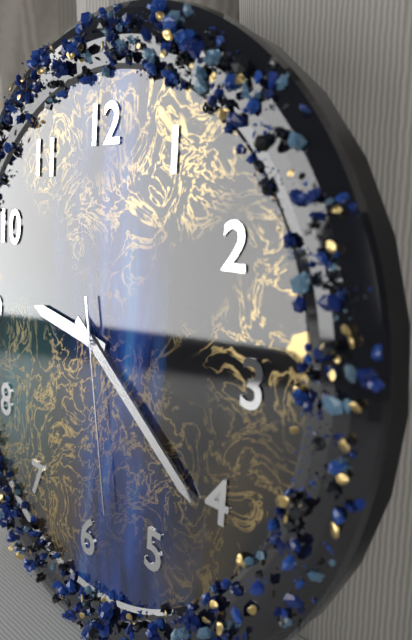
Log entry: 9:21:28
